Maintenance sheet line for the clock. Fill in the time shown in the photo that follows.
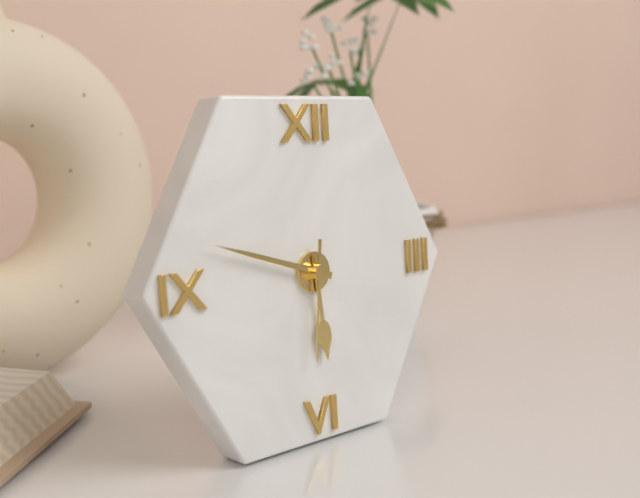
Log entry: 5:48:31
